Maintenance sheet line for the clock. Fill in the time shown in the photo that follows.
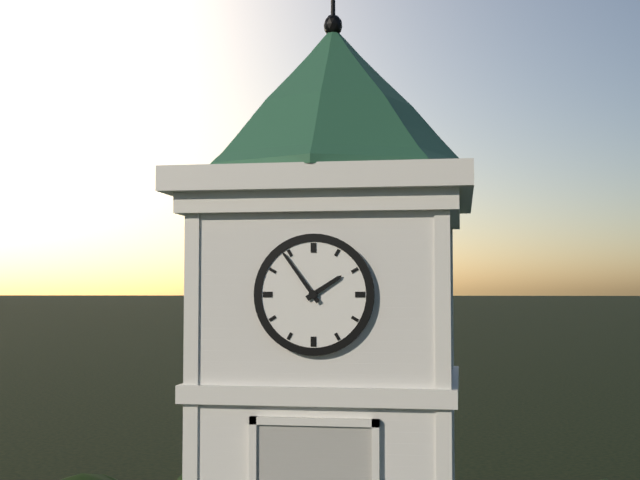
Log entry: 1:54
